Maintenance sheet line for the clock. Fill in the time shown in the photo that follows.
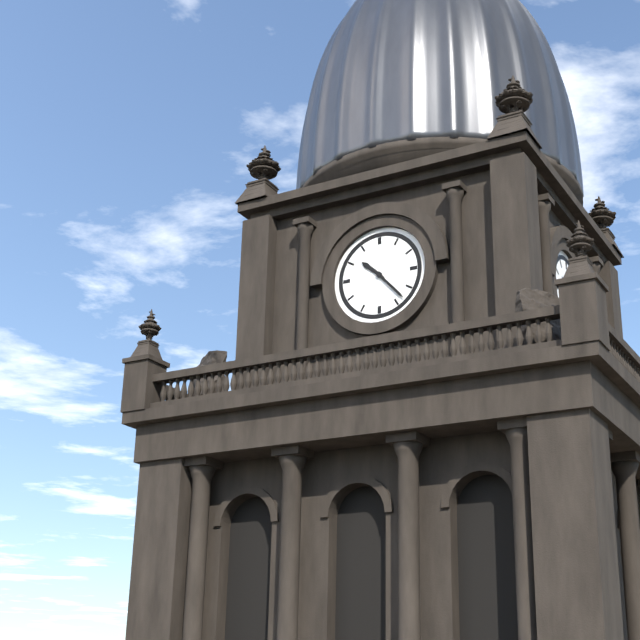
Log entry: 10:23
